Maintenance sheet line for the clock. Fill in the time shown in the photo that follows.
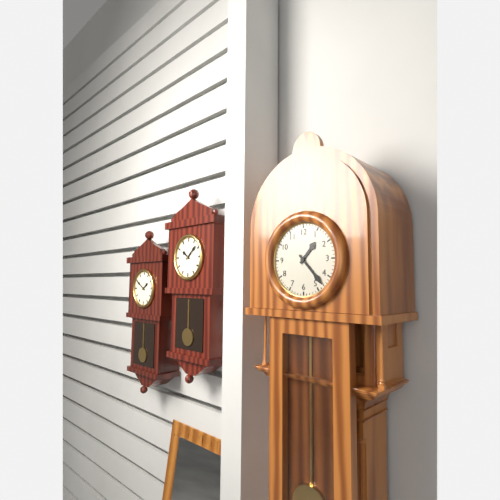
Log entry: 1:23
